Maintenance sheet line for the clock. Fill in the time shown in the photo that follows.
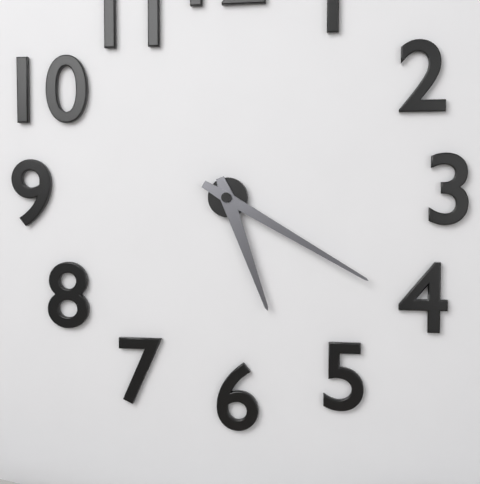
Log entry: 5:20
